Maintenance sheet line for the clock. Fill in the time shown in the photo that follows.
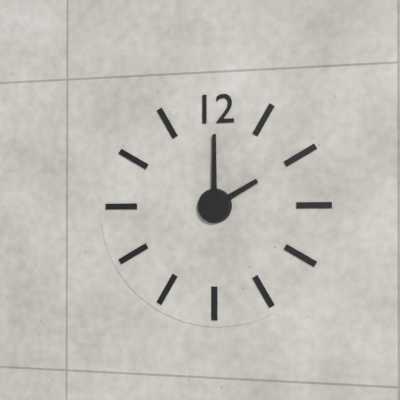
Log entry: 2:00
